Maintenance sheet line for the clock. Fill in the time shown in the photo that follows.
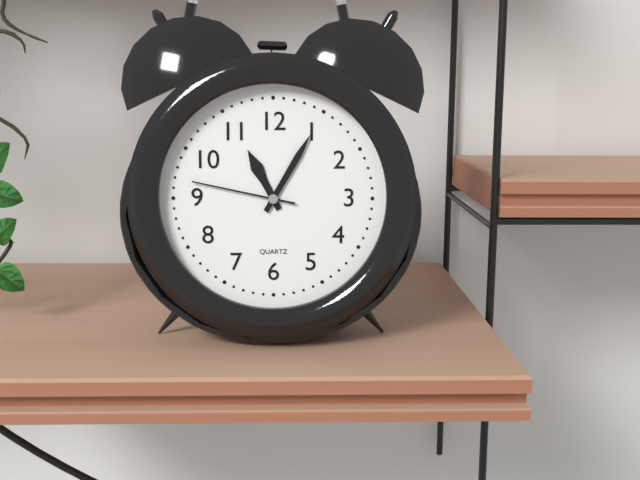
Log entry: 11:05:47
